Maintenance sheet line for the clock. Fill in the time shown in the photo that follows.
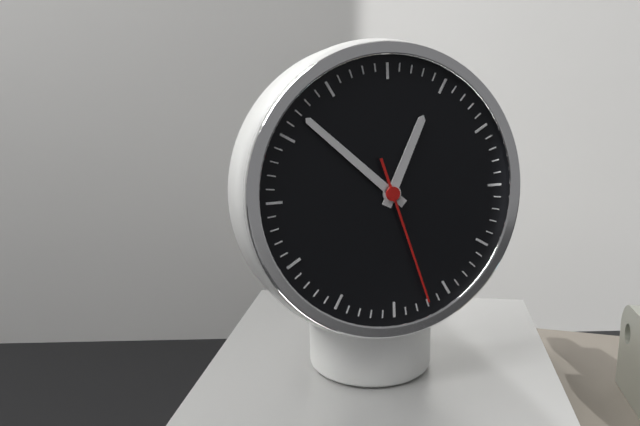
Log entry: 12:52:27
